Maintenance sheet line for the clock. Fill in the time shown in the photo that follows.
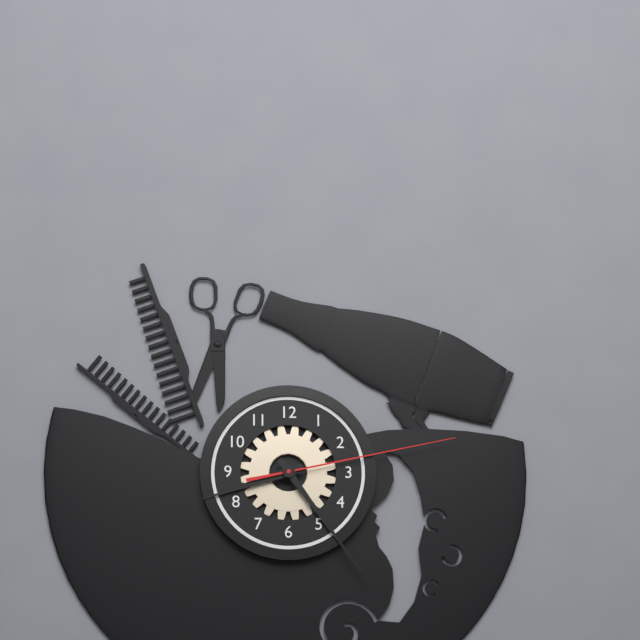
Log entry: 8:24:13
